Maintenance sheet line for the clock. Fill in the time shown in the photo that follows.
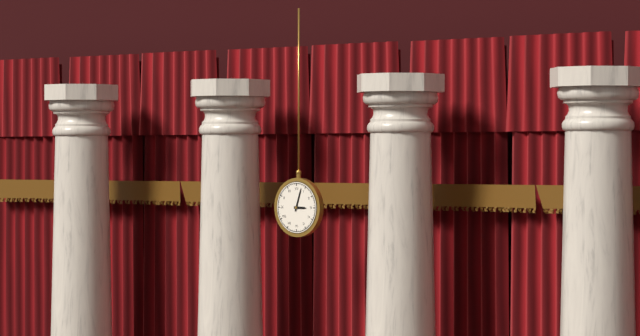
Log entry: 3:03
